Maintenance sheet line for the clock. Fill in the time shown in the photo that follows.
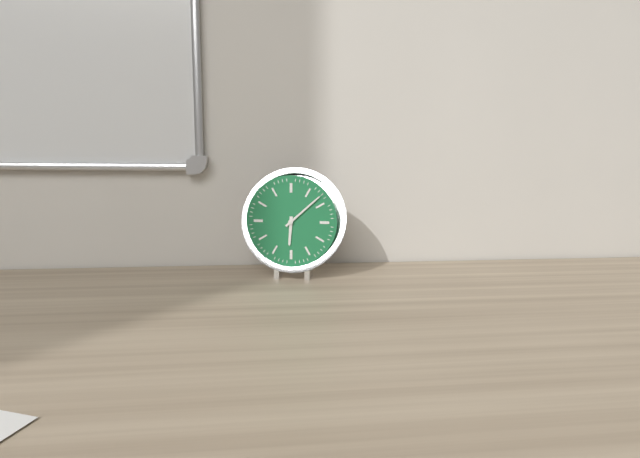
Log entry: 6:08
